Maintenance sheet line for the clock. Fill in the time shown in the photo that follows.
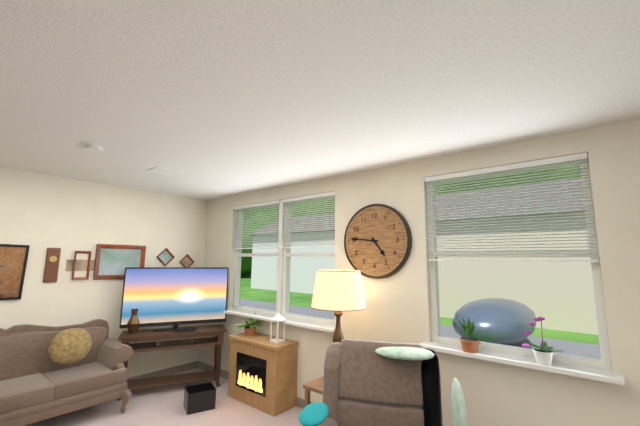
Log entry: 4:46
